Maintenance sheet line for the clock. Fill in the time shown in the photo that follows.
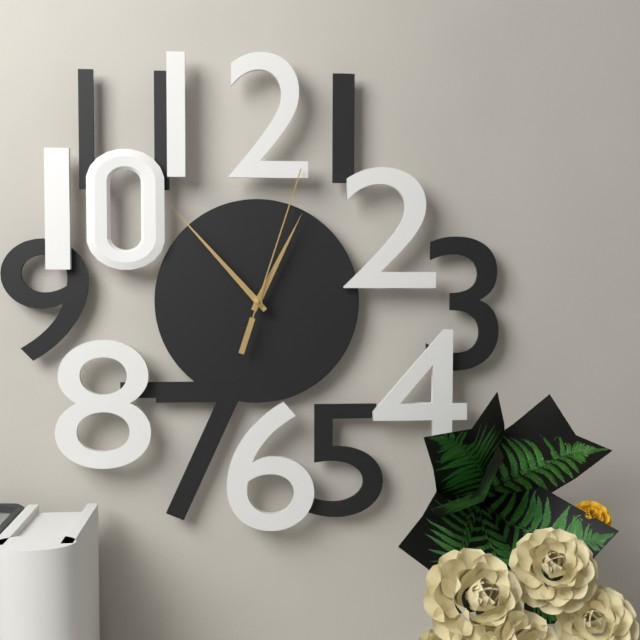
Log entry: 12:53:03
